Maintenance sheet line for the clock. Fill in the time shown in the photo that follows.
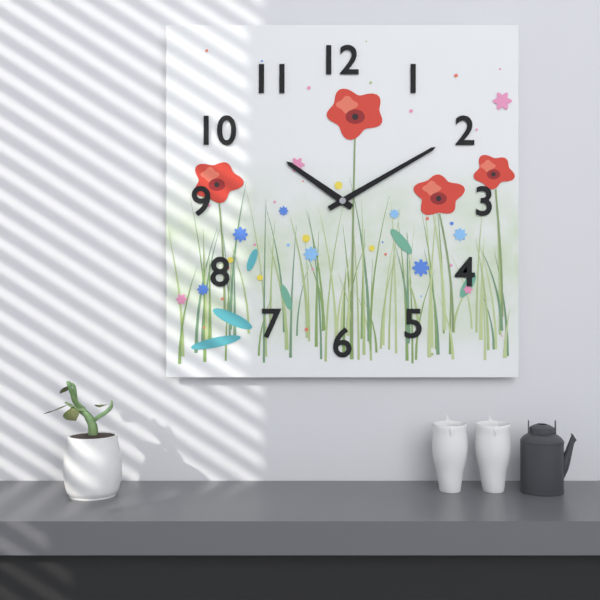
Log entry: 10:10
